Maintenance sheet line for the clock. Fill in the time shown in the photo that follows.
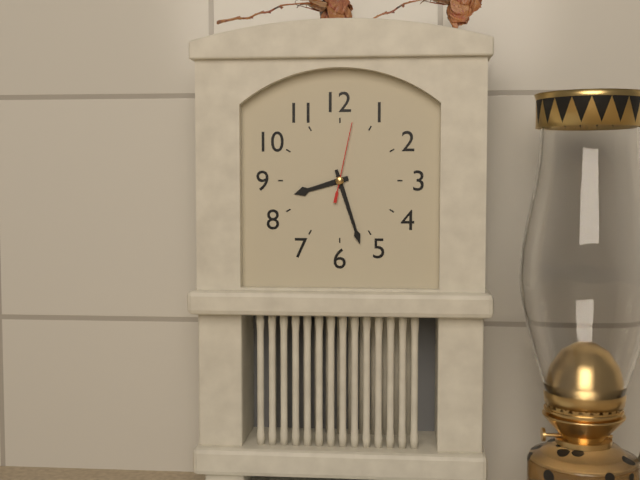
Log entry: 8:27:02
